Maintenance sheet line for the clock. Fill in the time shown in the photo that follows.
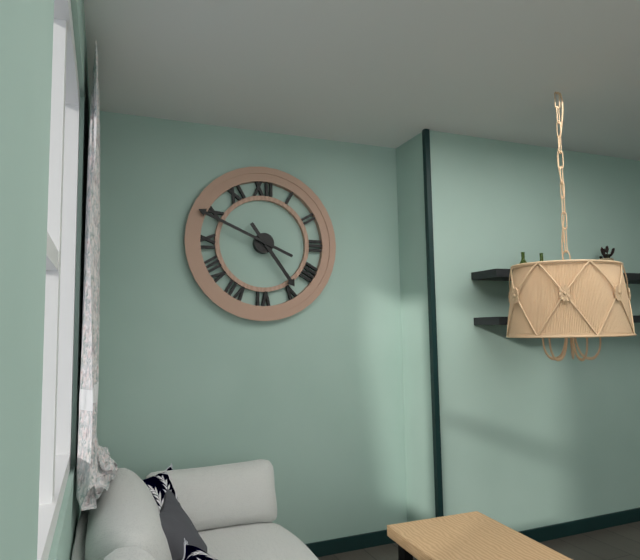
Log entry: 4:49
